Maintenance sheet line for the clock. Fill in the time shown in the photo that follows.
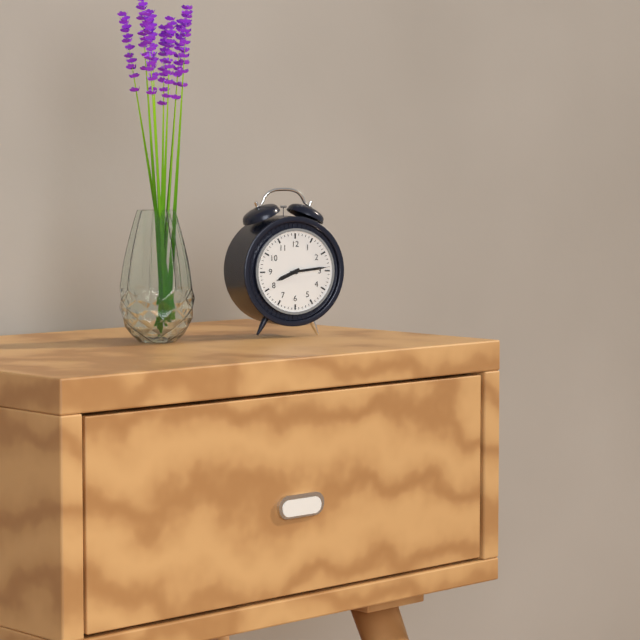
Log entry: 8:14
